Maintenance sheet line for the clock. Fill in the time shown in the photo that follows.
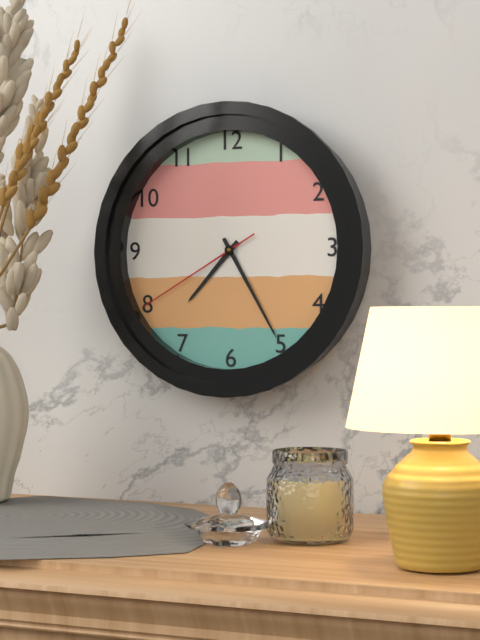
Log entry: 7:25:40
